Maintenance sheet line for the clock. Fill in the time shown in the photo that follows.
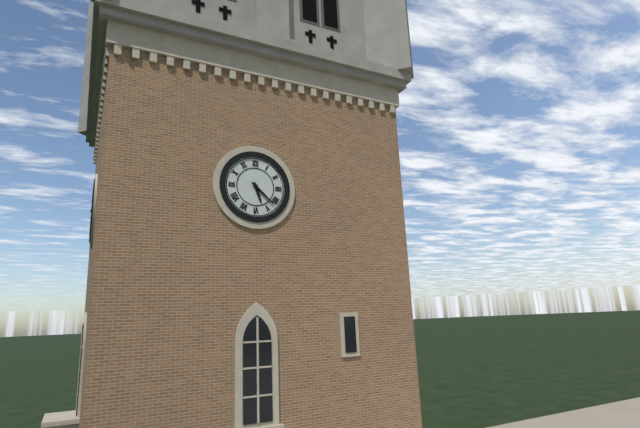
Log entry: 5:22
